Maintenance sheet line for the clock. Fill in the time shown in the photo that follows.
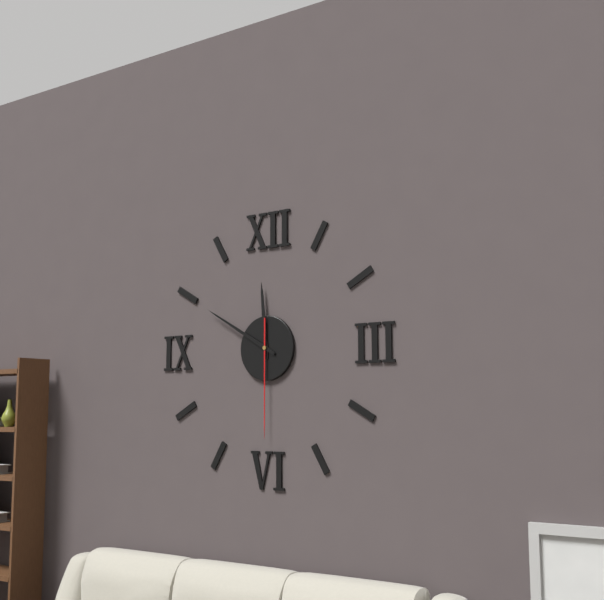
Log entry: 11:50:30
